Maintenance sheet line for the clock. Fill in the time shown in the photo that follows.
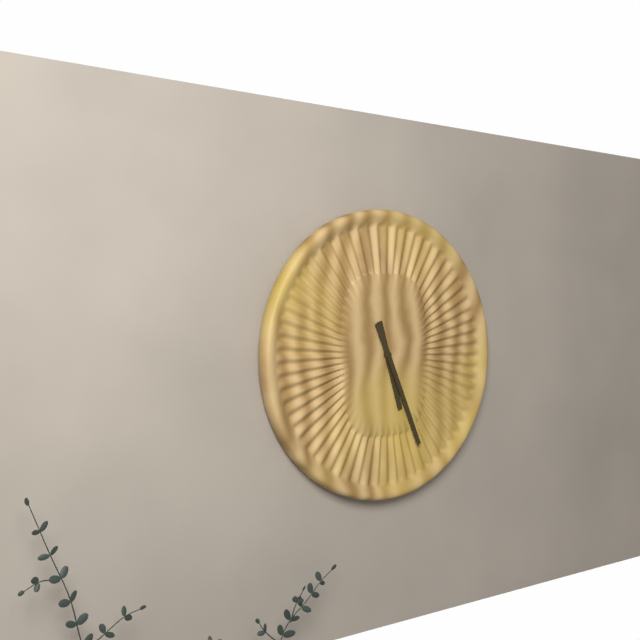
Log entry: 5:26
